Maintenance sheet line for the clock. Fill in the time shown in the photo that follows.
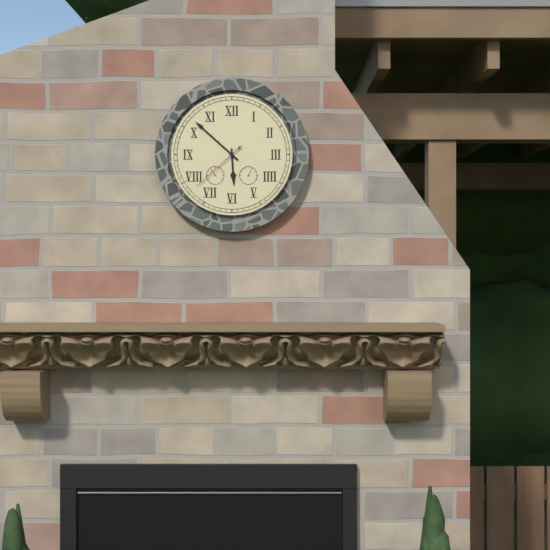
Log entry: 5:52:38
